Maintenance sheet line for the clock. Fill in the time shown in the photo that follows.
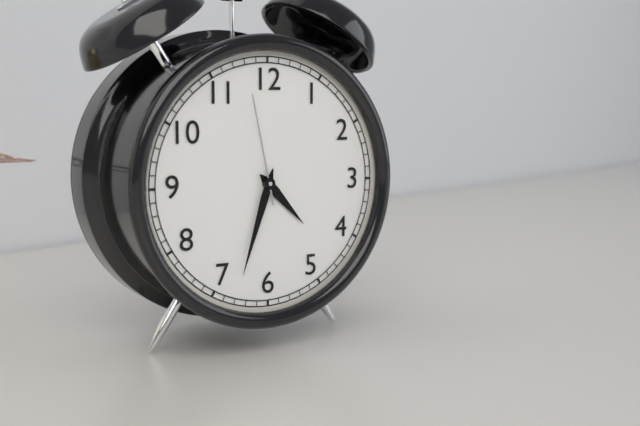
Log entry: 4:33:58
